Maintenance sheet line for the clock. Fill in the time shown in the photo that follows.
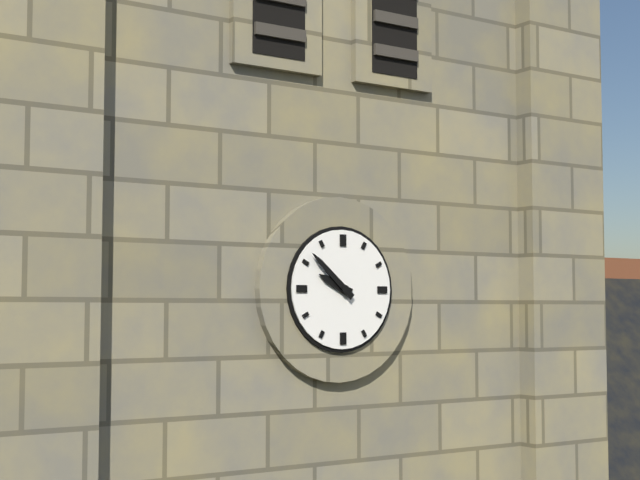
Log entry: 9:52
